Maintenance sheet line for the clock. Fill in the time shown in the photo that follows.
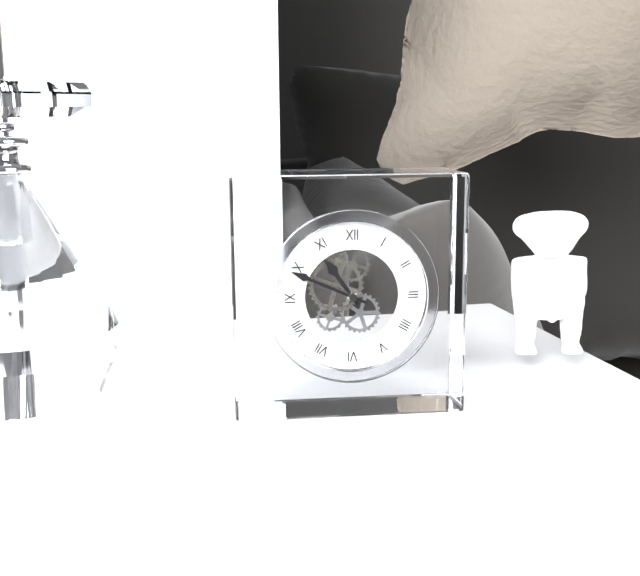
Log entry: 10:49
